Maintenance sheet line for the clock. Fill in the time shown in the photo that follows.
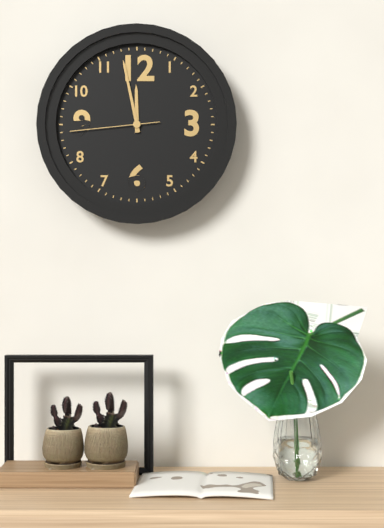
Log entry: 11:58:44
